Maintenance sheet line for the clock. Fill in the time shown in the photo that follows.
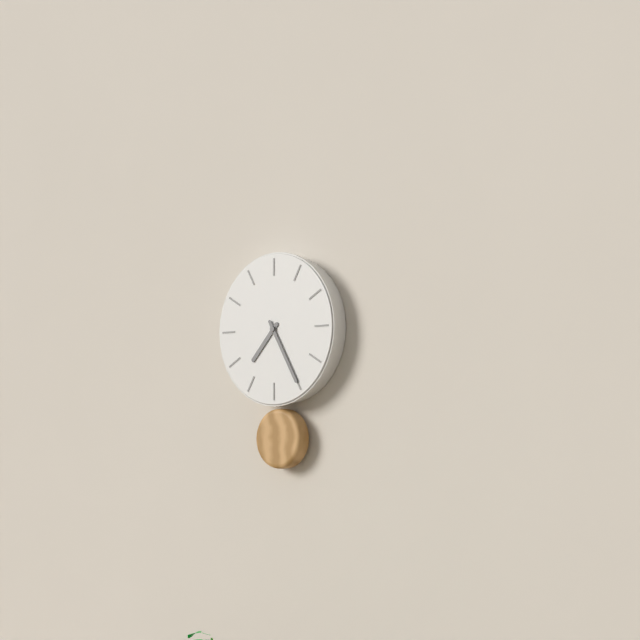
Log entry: 7:25
